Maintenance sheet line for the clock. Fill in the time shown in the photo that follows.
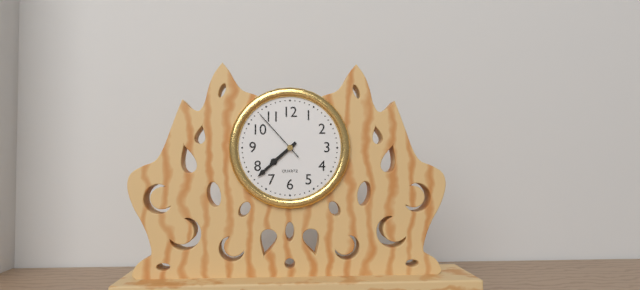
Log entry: 7:38:53
